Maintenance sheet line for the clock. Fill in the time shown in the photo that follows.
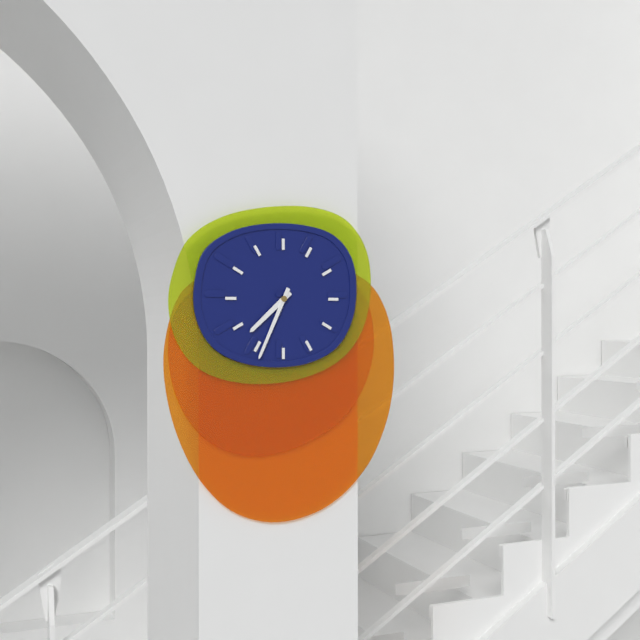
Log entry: 7:34
